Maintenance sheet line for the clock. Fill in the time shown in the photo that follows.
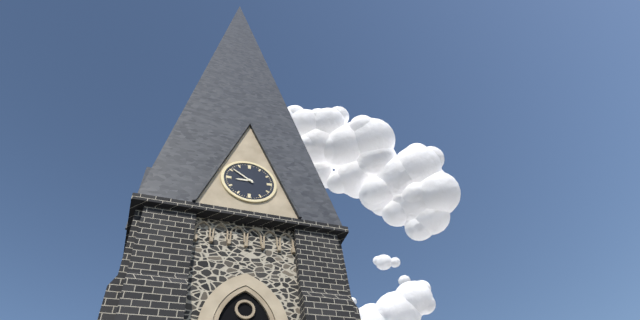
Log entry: 8:51
